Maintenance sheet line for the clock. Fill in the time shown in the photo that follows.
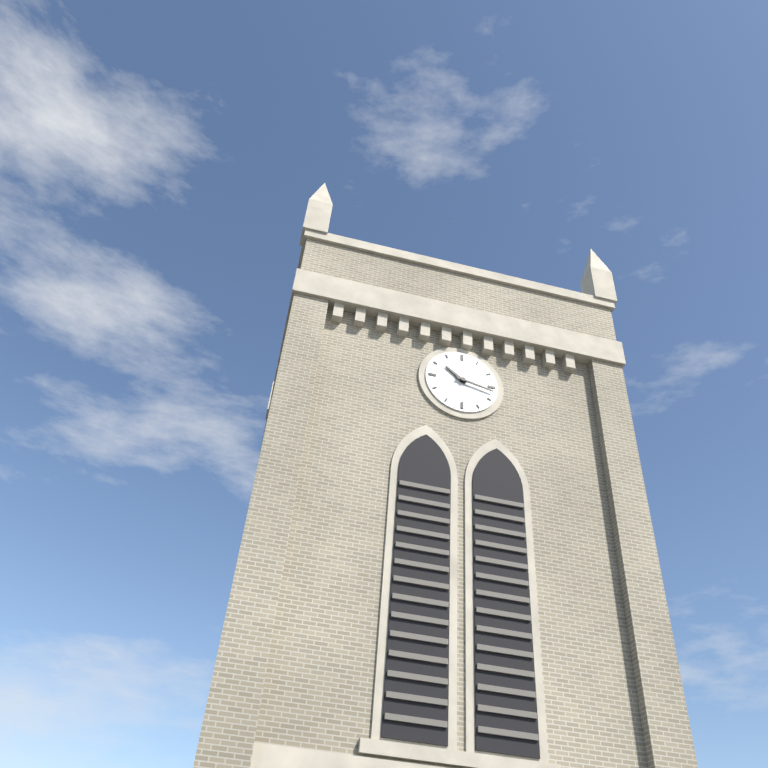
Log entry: 10:17
